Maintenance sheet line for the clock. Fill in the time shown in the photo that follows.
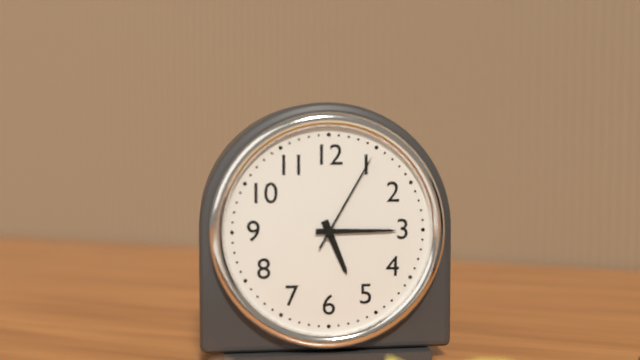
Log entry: 5:15:05
